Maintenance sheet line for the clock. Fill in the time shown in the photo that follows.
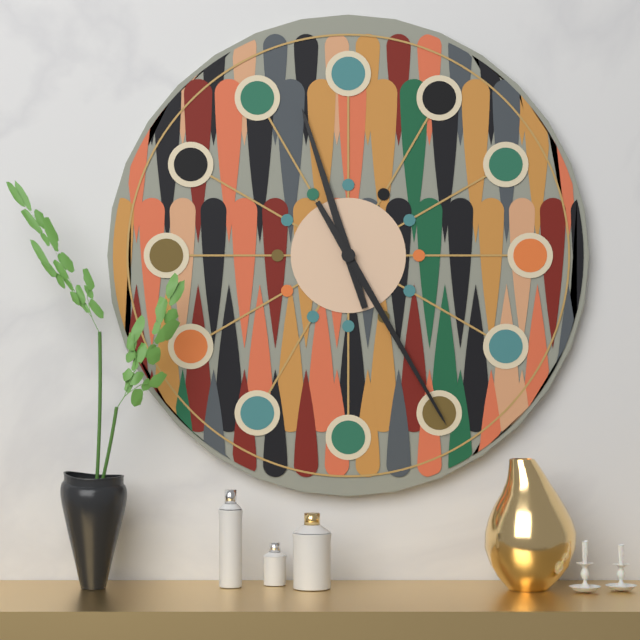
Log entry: 11:25
